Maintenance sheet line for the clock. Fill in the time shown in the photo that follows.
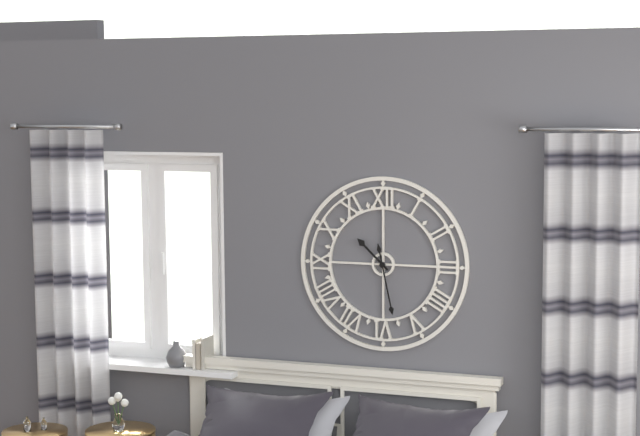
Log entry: 10:28
